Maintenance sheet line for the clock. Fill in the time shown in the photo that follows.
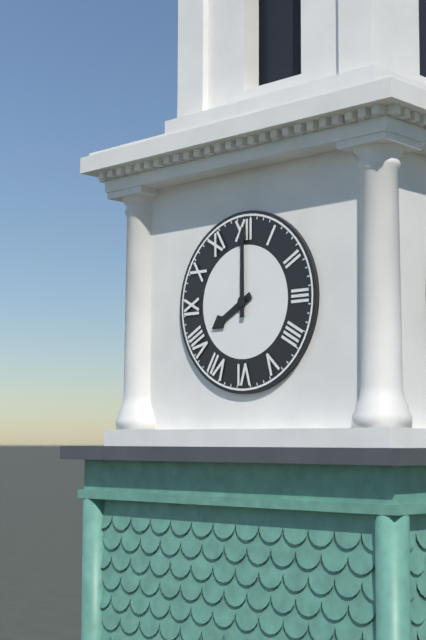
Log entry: 8:00
